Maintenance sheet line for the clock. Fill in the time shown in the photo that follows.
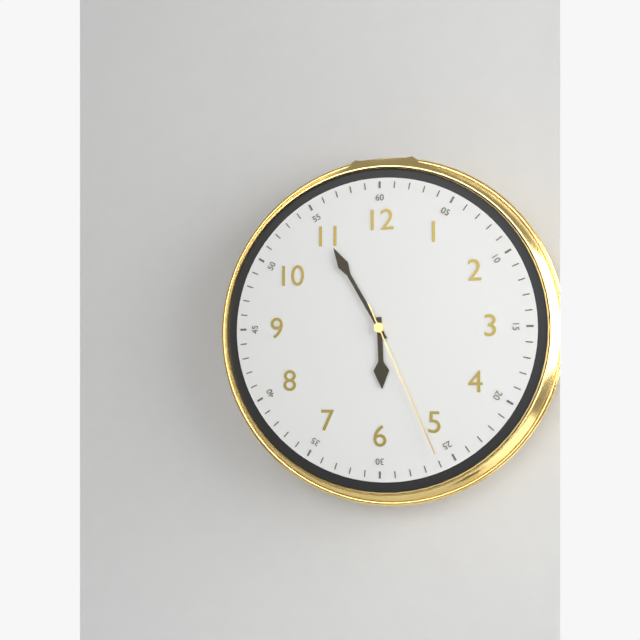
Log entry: 5:55:26
